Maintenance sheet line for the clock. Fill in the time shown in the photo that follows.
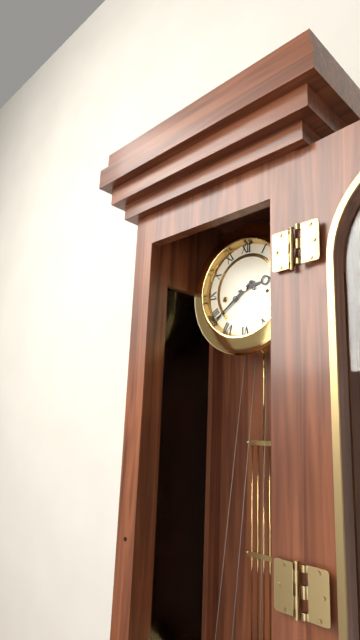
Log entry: 2:39
